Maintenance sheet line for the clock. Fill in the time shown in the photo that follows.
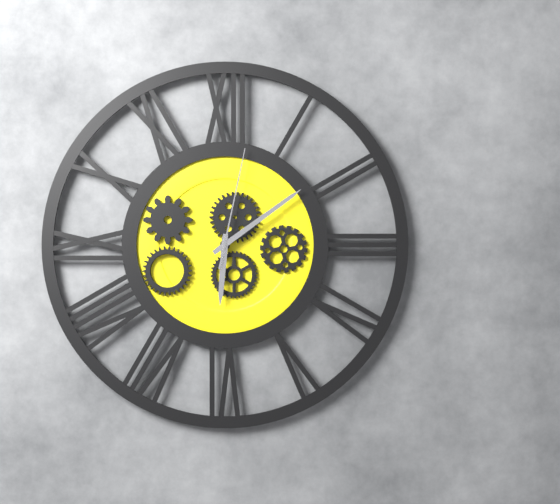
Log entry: 6:09:02
